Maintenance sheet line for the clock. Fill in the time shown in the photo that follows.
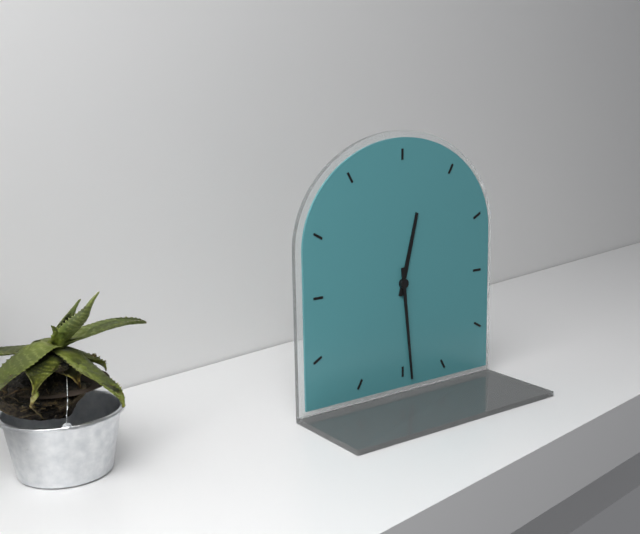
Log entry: 12:29
